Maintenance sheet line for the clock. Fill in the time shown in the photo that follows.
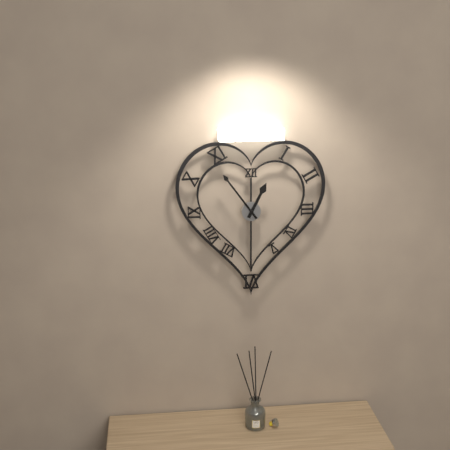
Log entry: 12:54
